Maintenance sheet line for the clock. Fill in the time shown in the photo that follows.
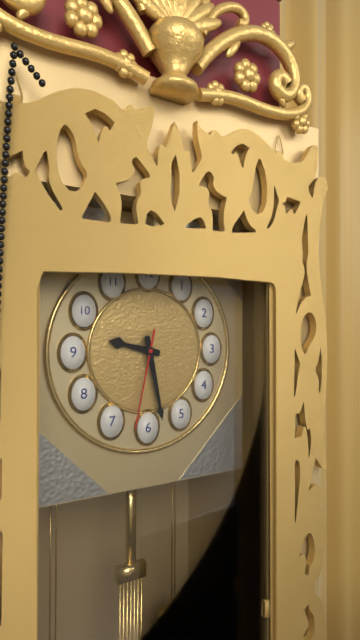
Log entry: 9:28:32
